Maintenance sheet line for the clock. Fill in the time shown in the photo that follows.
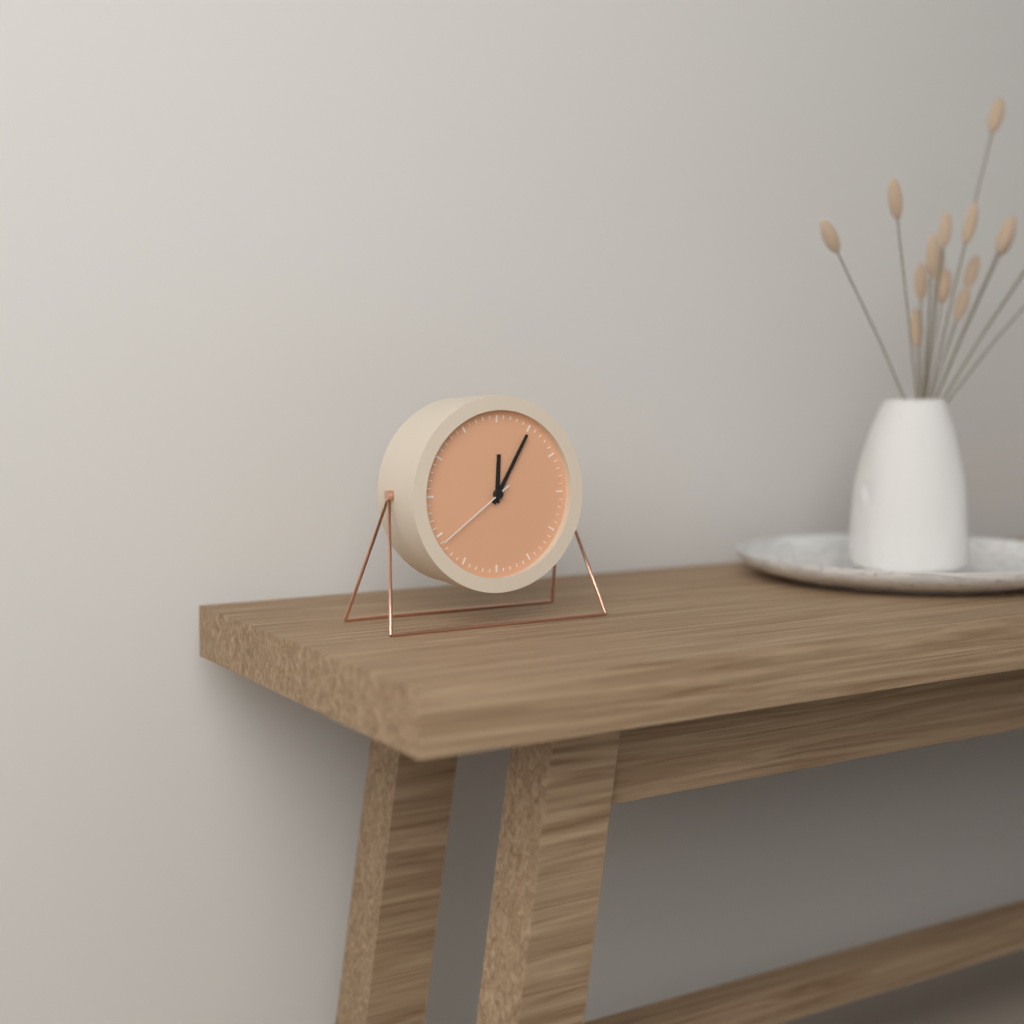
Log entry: 12:05:39
